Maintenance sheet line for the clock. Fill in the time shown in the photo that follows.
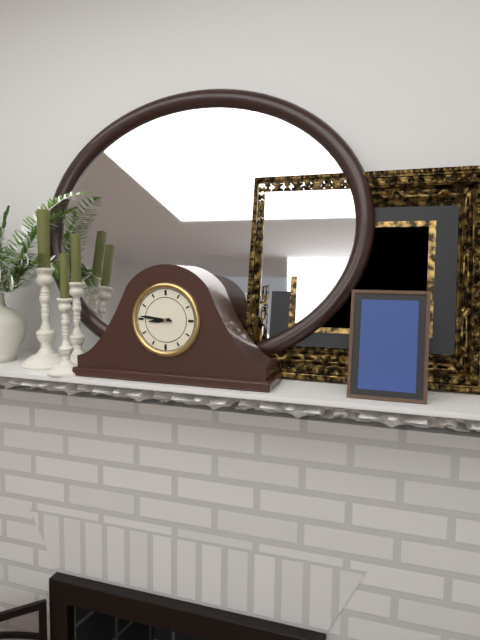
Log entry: 8:46
